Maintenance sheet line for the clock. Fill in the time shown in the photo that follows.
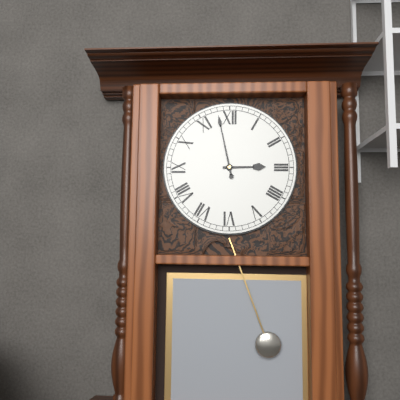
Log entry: 2:58
